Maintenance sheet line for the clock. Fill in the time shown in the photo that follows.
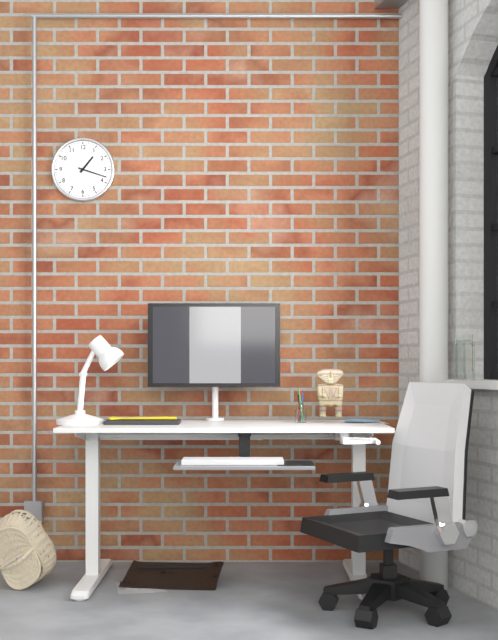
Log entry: 1:18
